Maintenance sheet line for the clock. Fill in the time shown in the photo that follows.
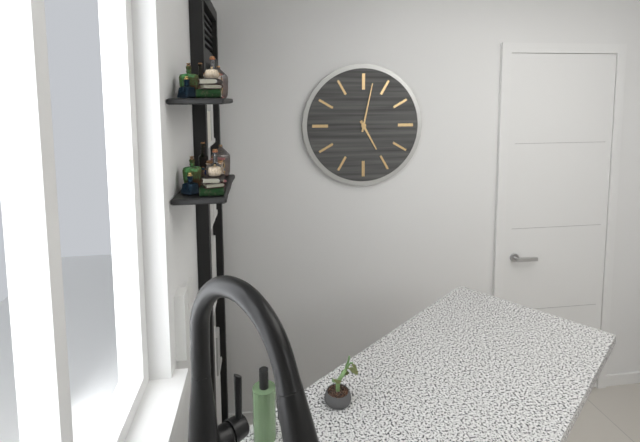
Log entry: 5:02
